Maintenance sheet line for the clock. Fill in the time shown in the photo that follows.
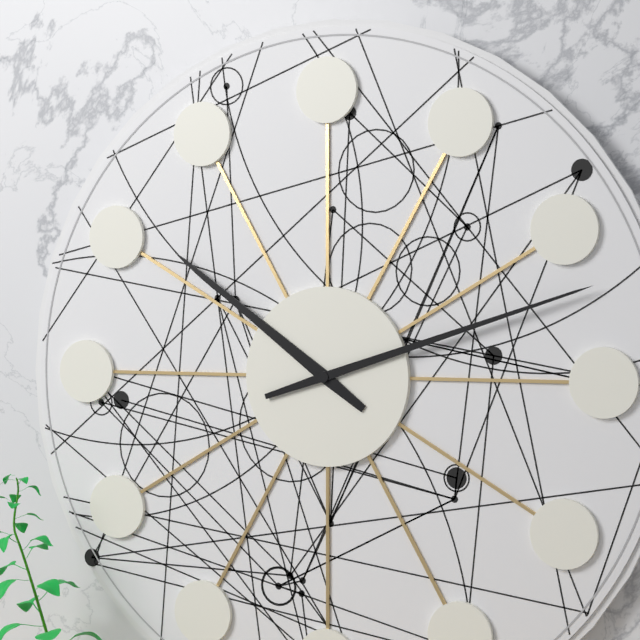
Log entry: 10:12
